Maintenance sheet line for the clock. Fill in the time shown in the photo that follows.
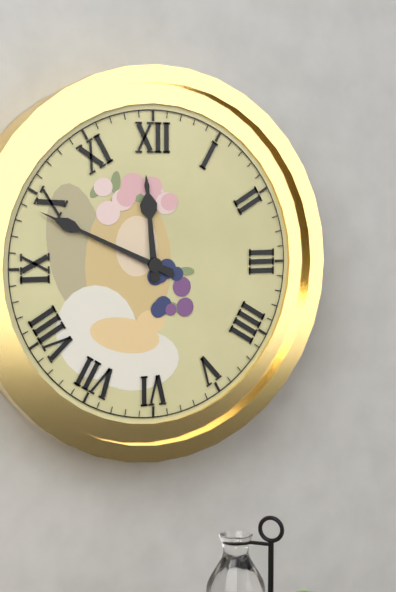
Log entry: 11:49
